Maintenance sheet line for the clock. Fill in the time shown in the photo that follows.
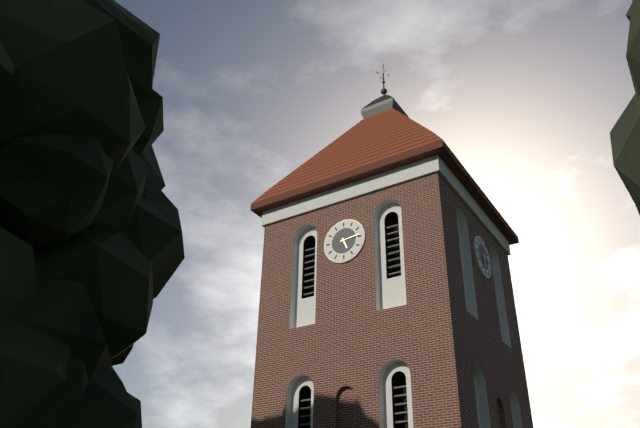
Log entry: 5:14
